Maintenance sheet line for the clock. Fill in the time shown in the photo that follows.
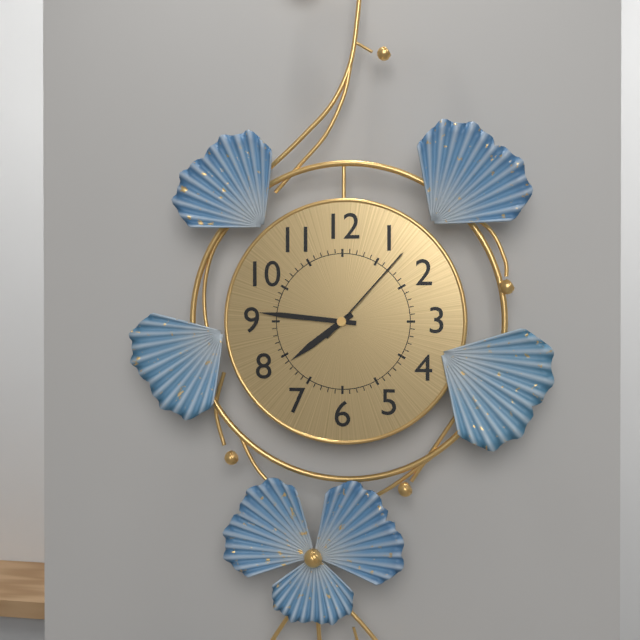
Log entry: 7:46:07
